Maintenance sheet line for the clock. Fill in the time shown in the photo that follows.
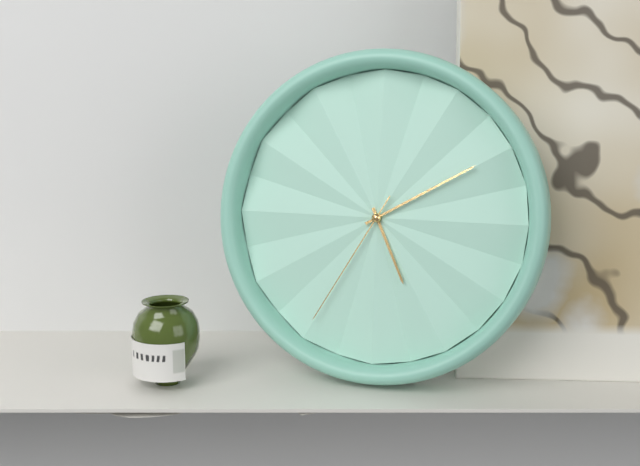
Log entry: 5:10:35
